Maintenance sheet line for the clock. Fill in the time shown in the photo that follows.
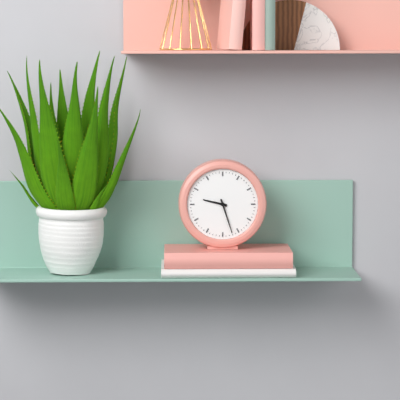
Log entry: 9:27
